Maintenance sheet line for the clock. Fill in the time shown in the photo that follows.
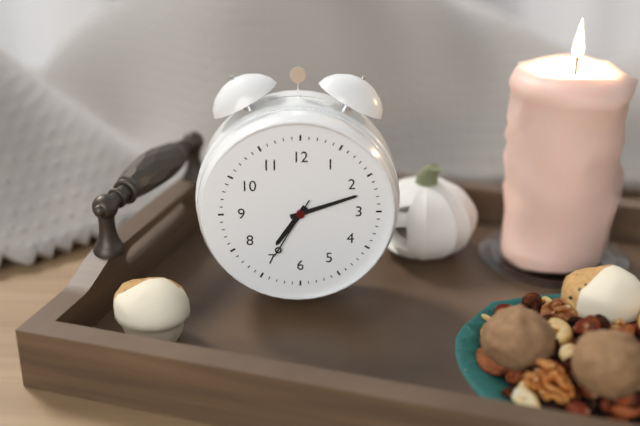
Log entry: 7:12:35
